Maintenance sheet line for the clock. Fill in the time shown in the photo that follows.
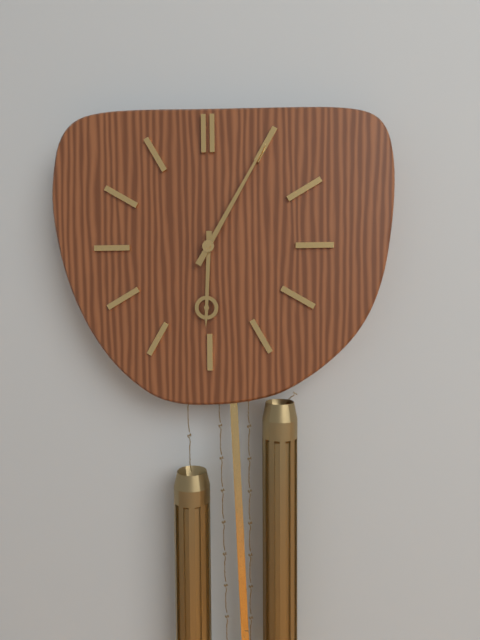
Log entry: 6:05
